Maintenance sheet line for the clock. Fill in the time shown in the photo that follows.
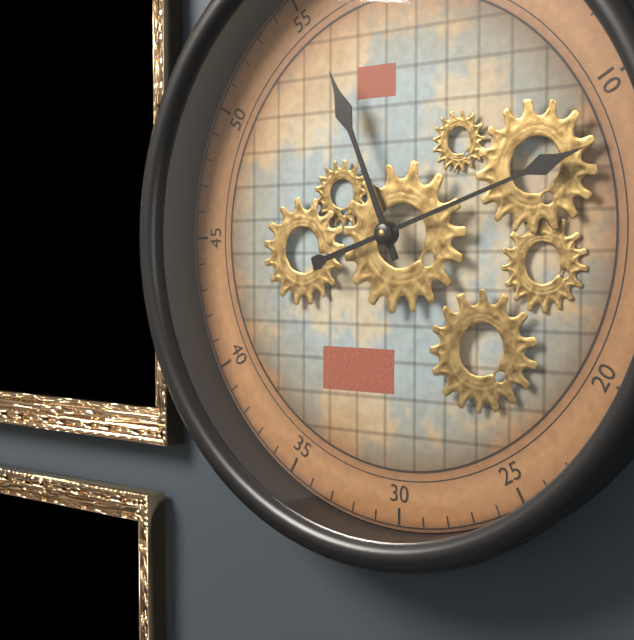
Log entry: 11:12
